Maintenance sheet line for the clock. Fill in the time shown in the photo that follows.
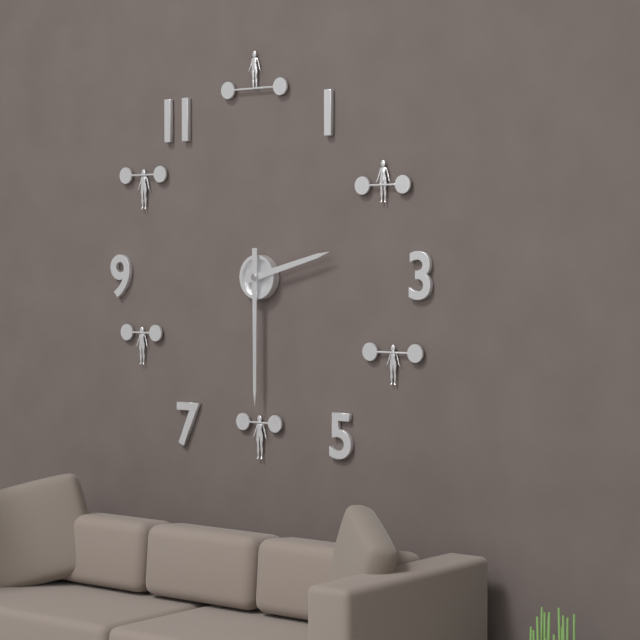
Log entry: 2:30
